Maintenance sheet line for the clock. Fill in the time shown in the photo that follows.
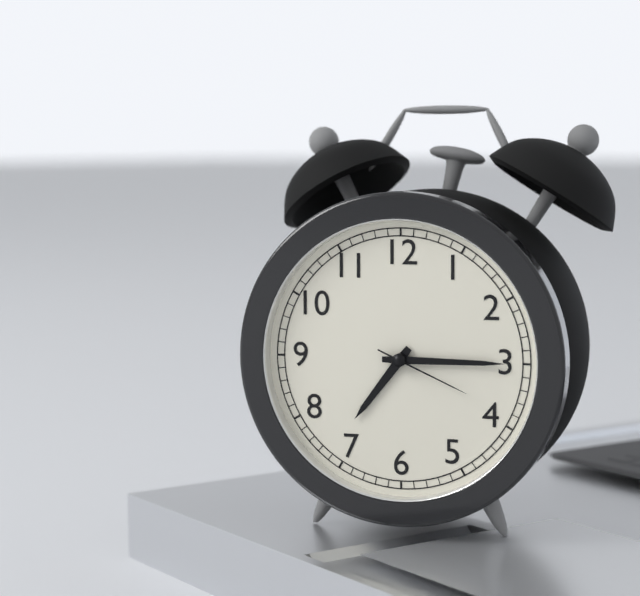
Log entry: 7:15:19
